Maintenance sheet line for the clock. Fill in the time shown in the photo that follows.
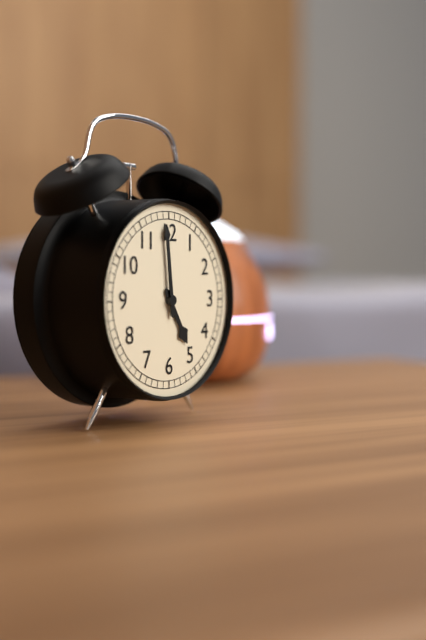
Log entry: 4:59
